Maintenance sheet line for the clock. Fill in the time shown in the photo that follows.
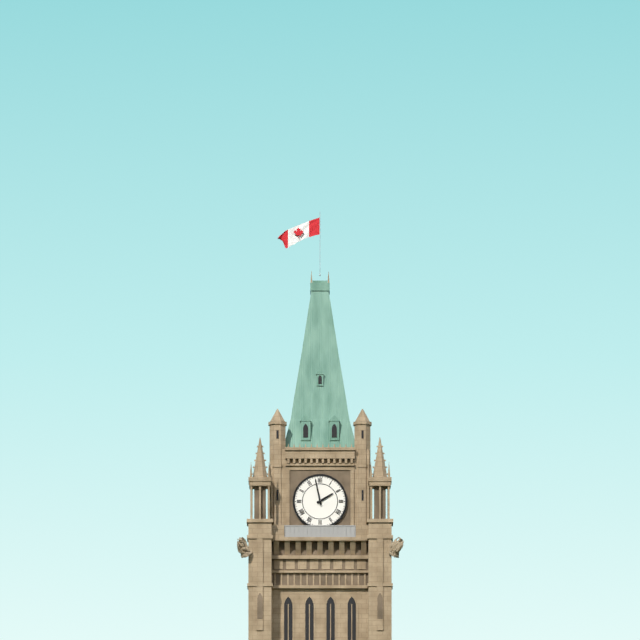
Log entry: 1:58
